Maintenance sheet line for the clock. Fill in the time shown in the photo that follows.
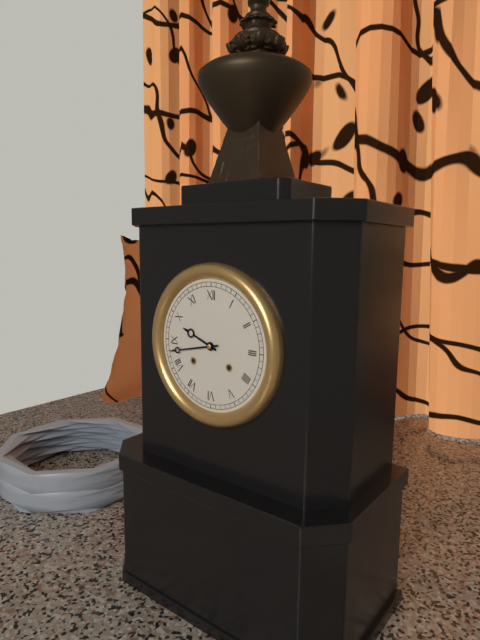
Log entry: 9:43
